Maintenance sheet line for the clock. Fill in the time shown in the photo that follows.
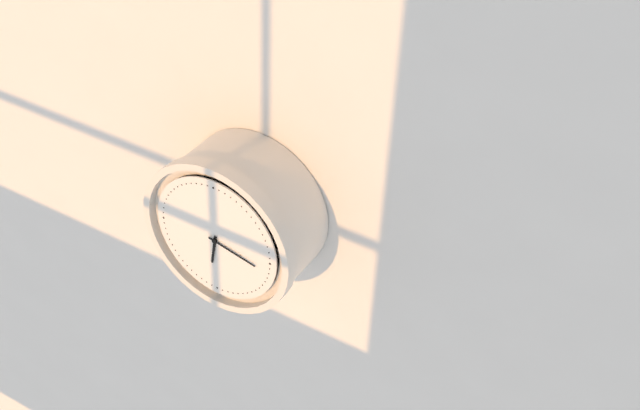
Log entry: 6:17
